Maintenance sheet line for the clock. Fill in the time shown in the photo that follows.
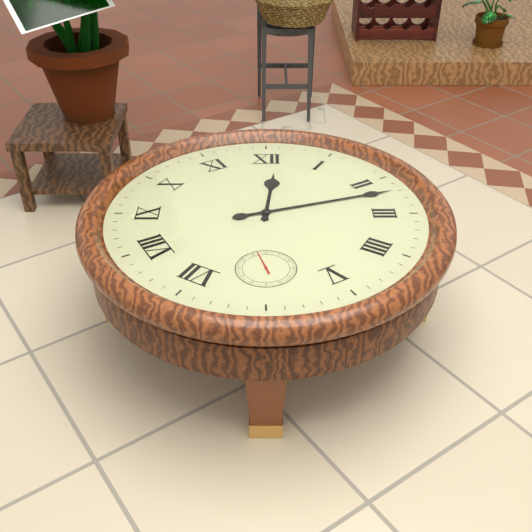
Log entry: 12:12
